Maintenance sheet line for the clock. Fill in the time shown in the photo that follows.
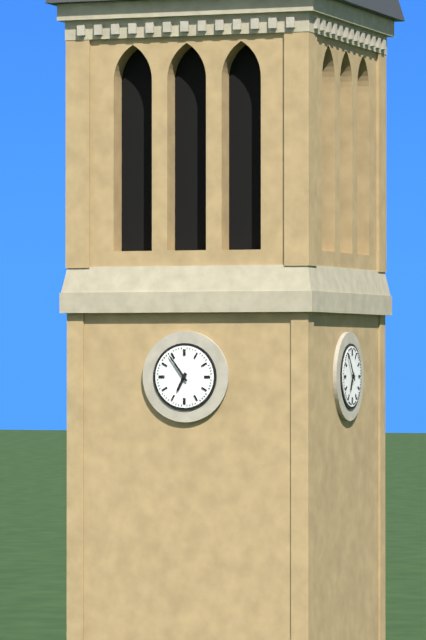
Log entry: 6:54
